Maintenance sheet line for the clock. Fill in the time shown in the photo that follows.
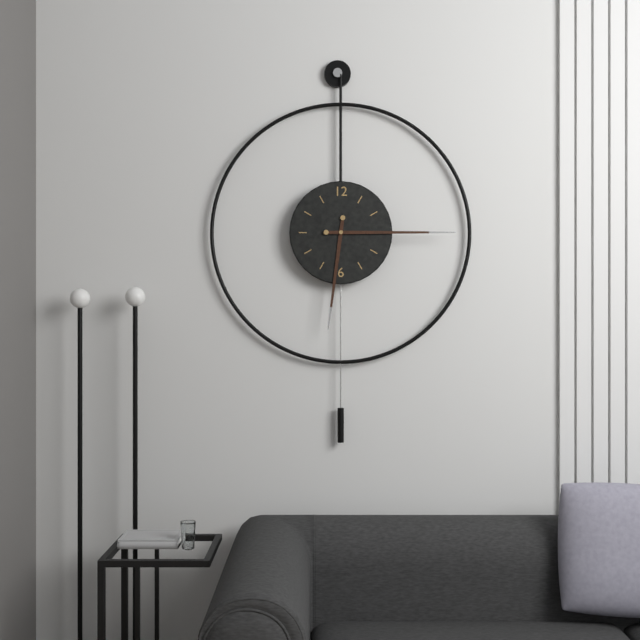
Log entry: 6:15
